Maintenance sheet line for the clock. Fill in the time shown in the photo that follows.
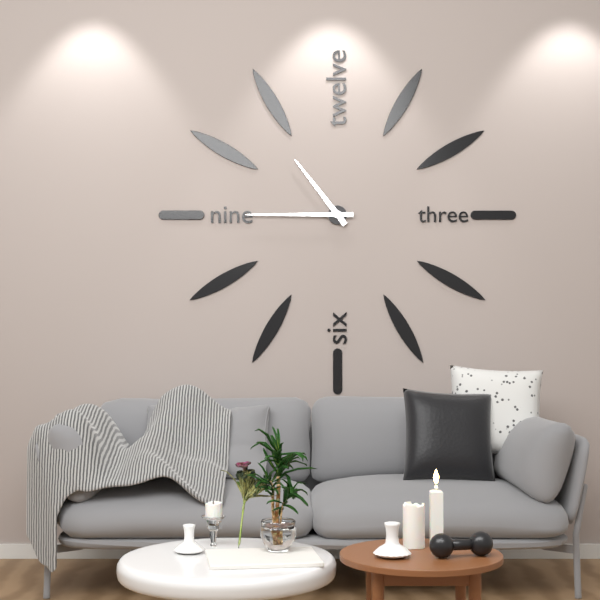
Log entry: 10:45
